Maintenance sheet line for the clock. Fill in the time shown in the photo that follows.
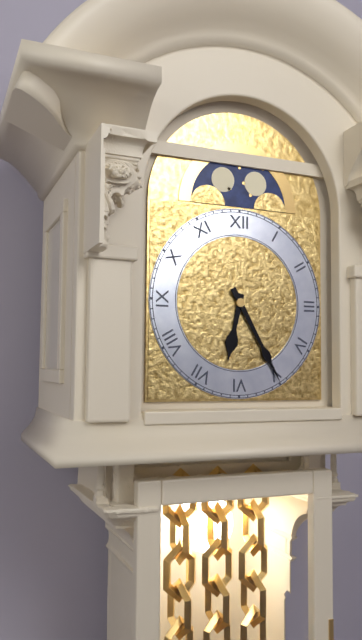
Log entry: 6:25
